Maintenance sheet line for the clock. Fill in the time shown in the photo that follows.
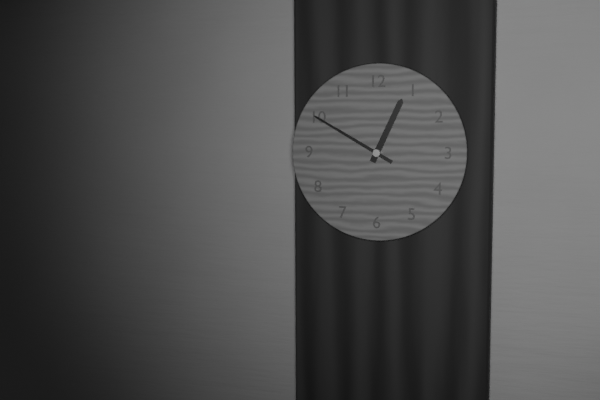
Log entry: 12:50
